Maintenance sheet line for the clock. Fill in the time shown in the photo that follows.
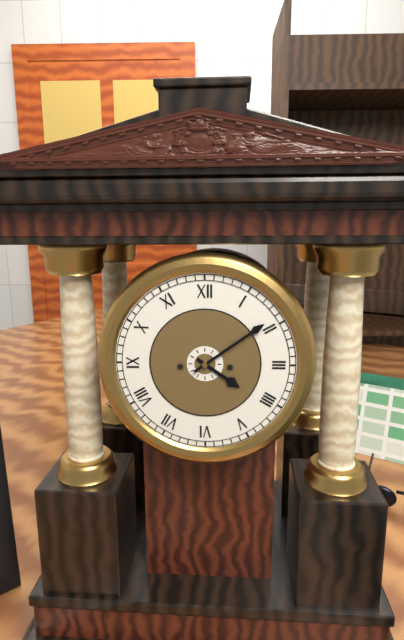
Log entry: 4:09
